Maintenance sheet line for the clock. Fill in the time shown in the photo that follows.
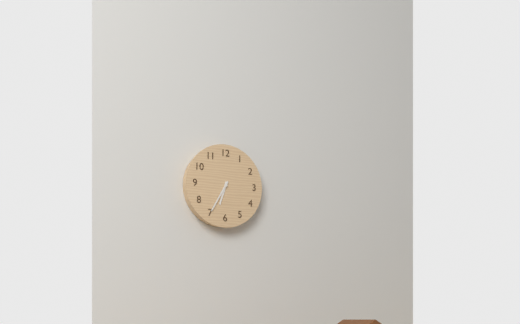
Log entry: 6:35
